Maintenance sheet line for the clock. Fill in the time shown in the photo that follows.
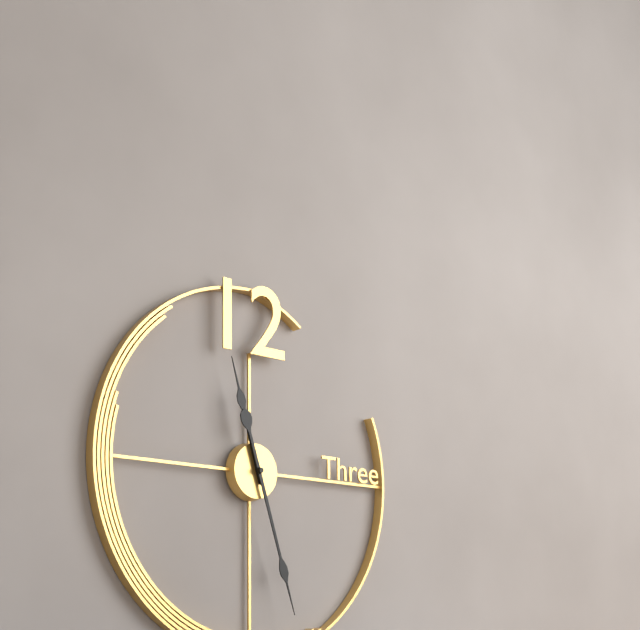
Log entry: 11:27
